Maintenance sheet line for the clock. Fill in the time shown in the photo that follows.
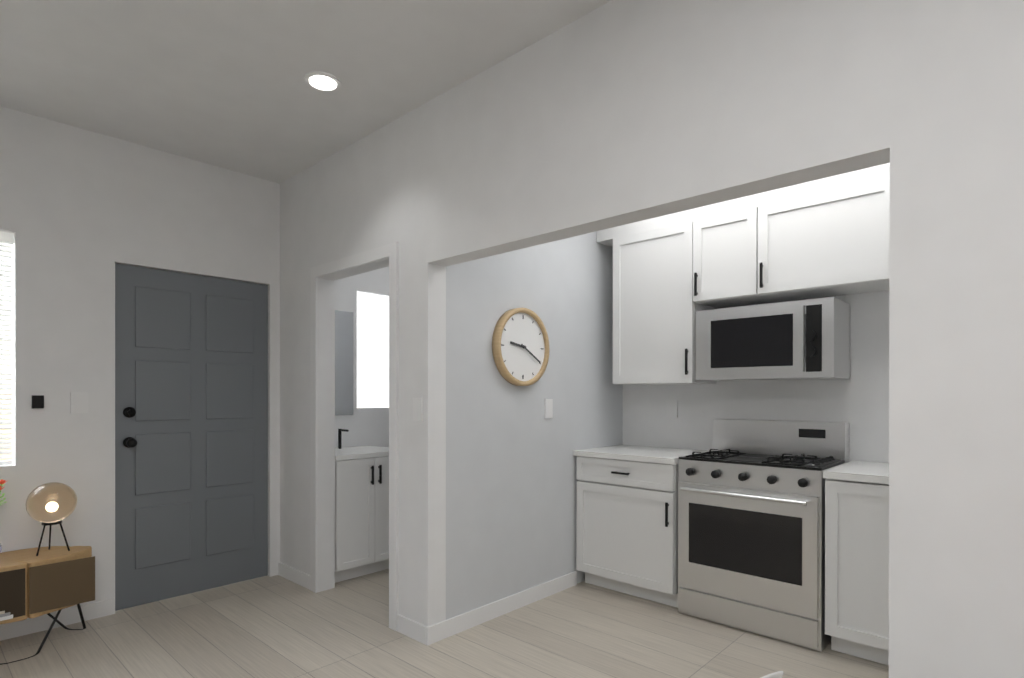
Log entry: 9:20
